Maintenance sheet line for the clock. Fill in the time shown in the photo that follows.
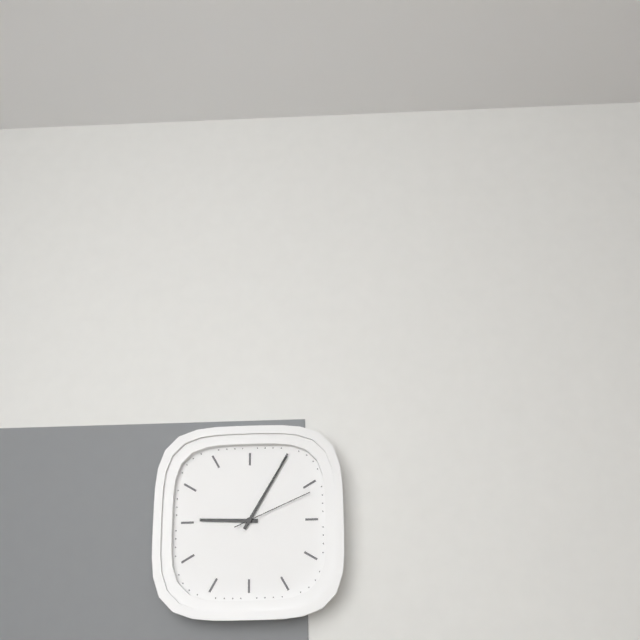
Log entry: 9:05:11
